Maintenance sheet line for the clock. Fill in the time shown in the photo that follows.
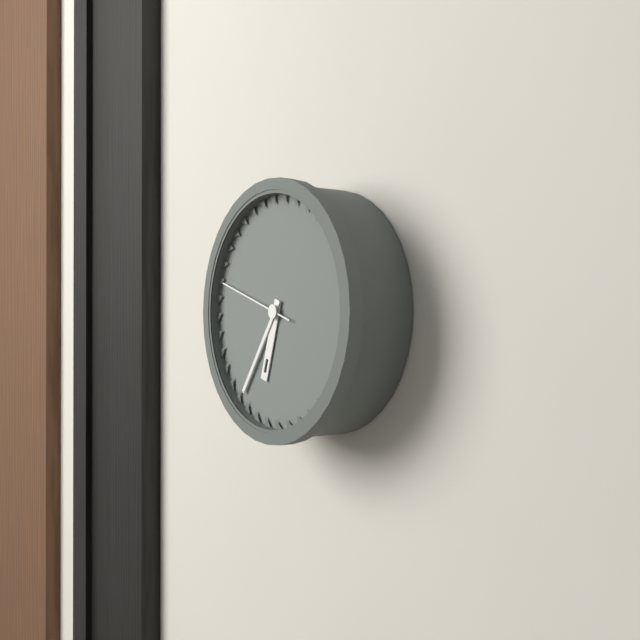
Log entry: 6:36:48
